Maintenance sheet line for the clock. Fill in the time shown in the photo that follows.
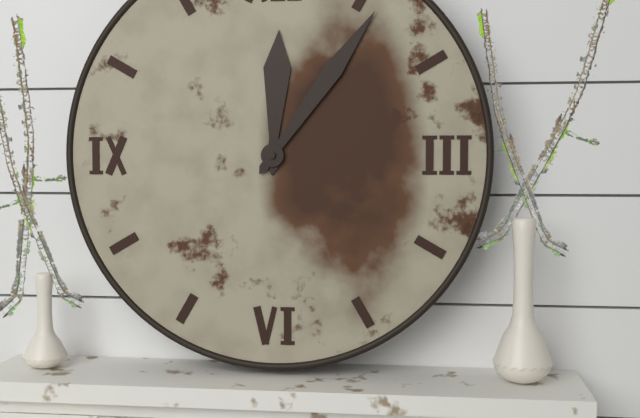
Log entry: 12:06
